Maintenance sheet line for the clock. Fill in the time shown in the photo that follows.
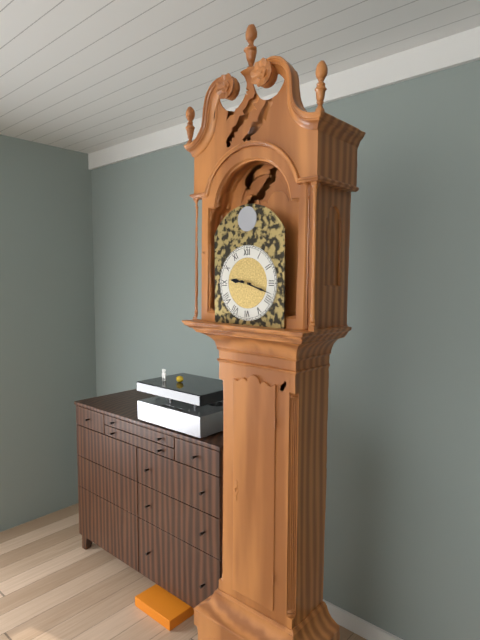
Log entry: 9:18
